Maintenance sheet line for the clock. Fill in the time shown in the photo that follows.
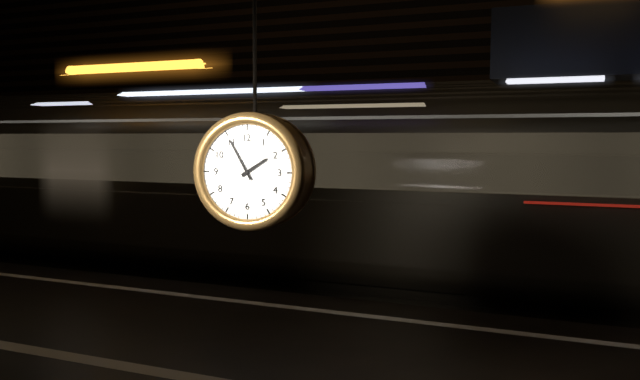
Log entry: 1:55
